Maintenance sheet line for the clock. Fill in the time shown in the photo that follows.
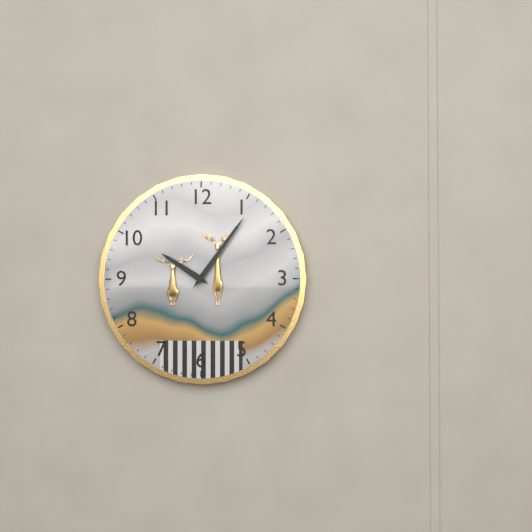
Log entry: 10:06
